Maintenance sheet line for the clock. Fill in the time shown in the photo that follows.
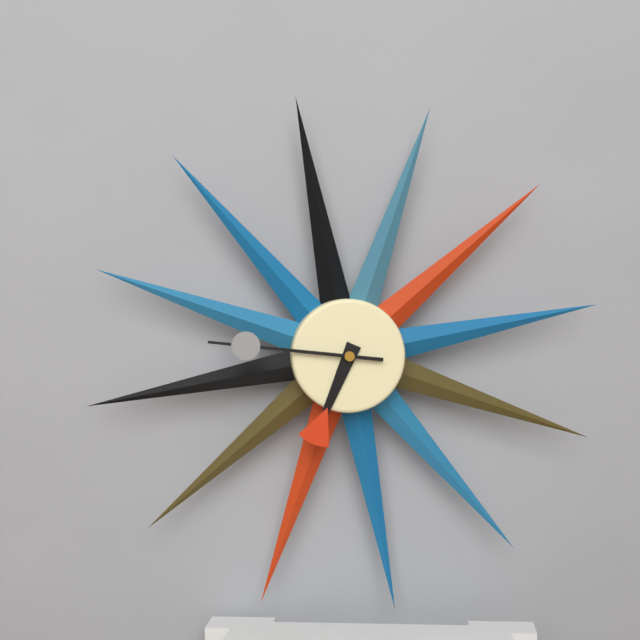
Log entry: 6:46
